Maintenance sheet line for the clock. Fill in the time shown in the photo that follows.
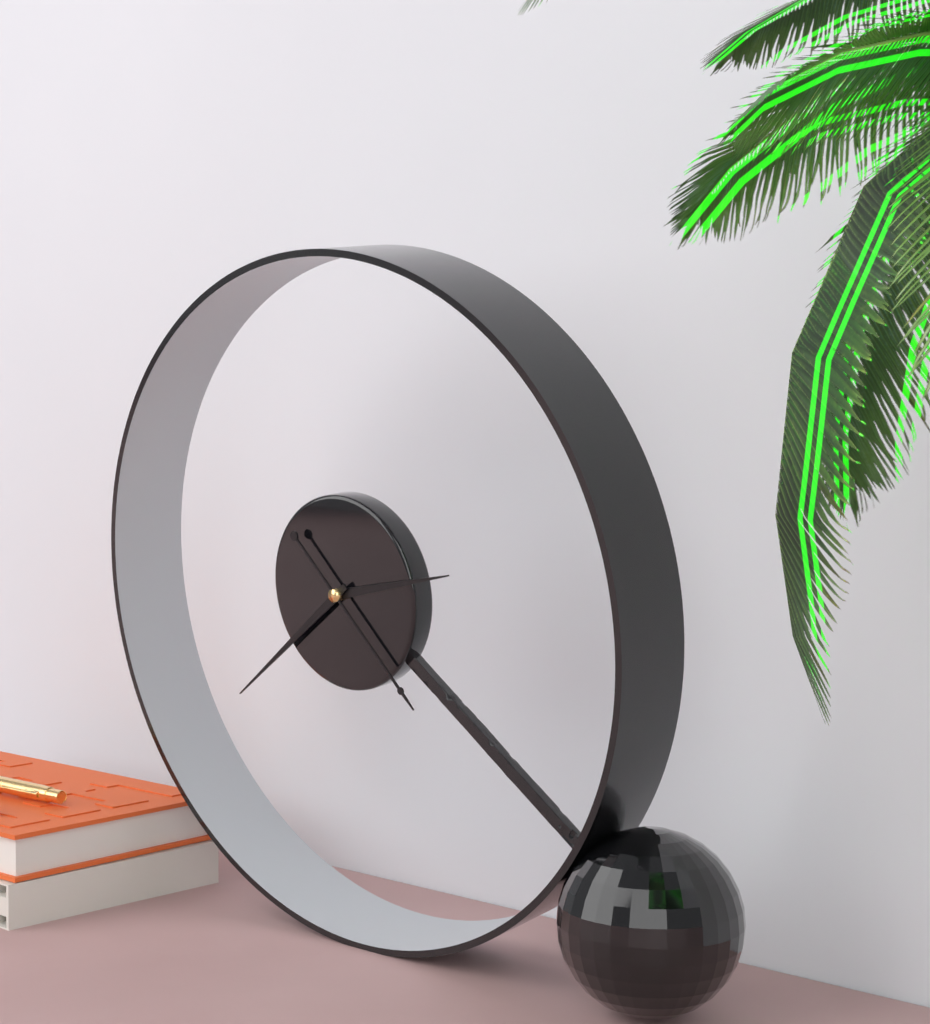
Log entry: 2:39:23
